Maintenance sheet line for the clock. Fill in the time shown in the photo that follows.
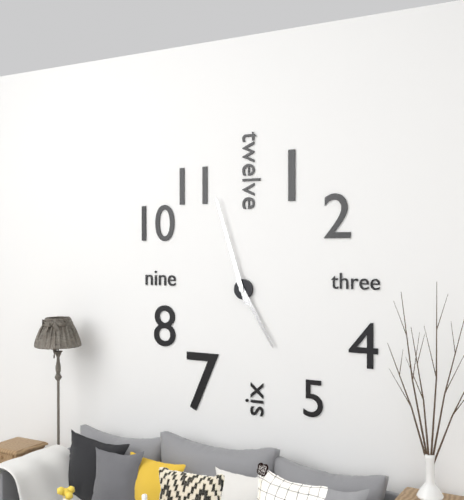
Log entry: 4:57
